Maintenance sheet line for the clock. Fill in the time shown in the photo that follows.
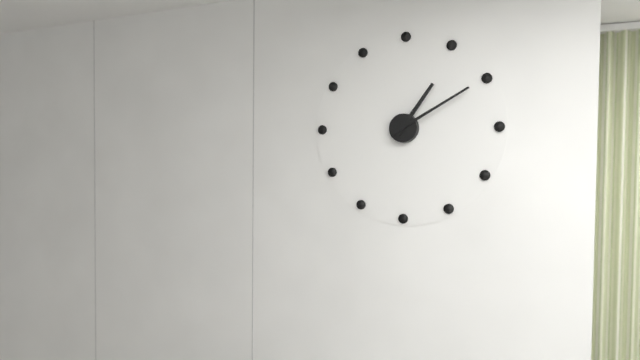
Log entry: 1:10
